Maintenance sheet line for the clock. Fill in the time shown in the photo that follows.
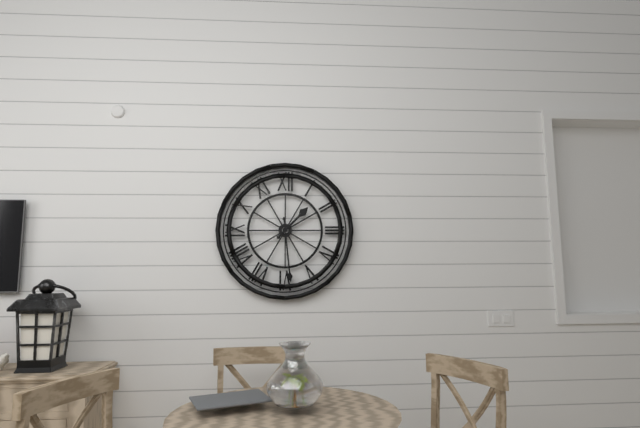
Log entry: 1:29
